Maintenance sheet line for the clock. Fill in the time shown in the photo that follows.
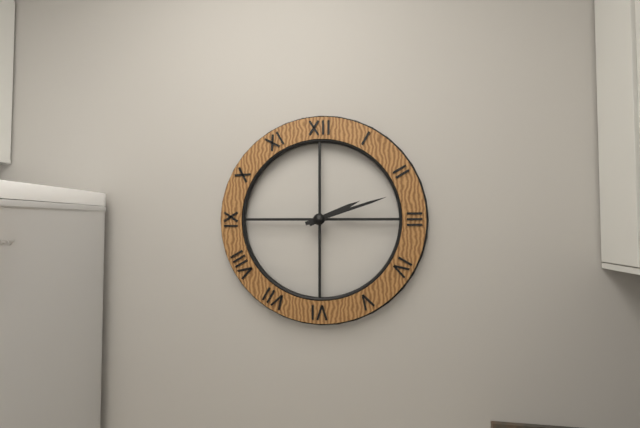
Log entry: 2:12
